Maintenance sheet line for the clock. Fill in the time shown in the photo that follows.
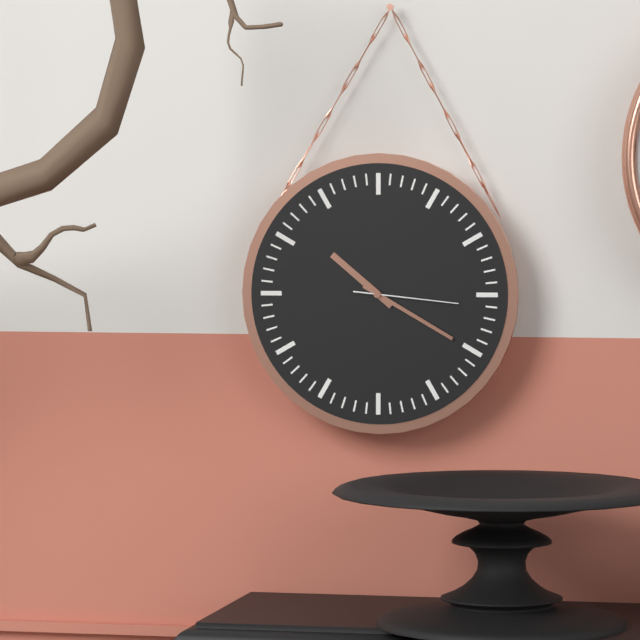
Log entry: 10:20:16
